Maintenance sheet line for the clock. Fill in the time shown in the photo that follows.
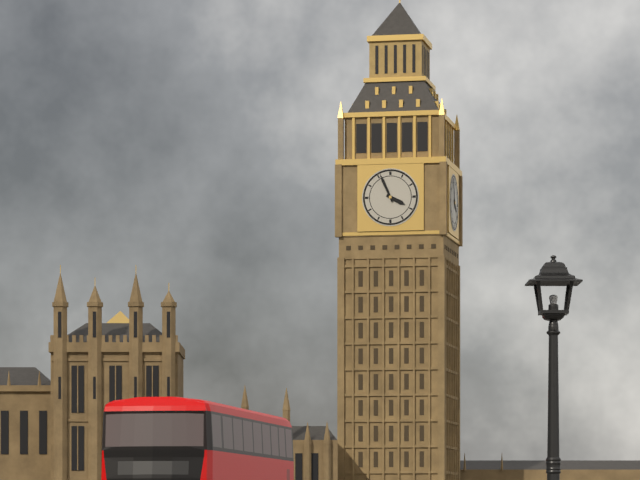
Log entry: 3:56
